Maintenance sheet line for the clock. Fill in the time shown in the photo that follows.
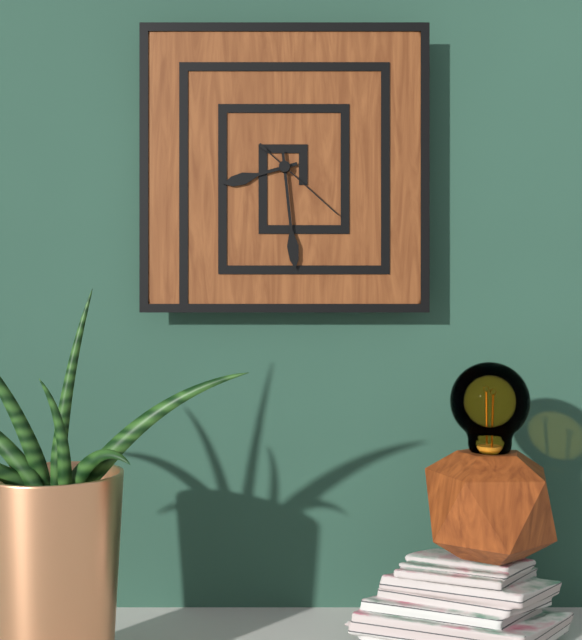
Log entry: 8:29:22
